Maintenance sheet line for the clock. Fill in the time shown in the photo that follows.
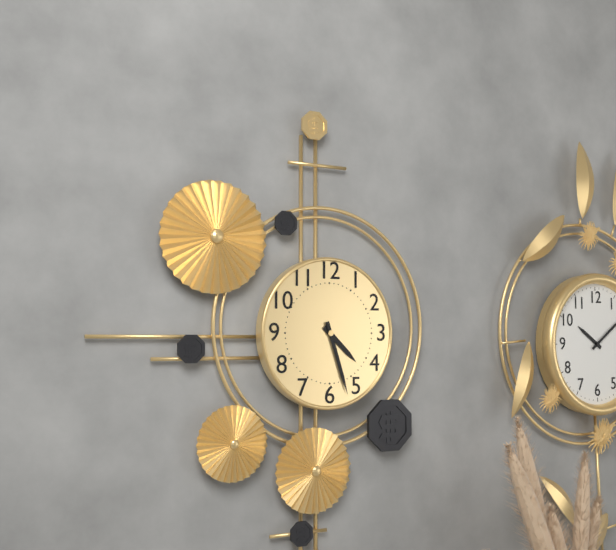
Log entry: 4:27
